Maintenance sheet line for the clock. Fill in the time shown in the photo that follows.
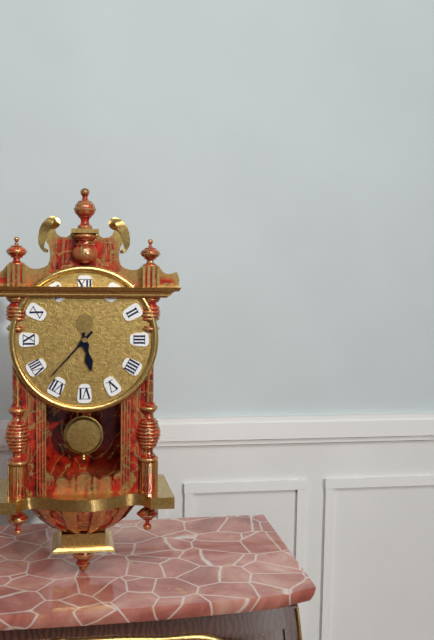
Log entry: 5:37
